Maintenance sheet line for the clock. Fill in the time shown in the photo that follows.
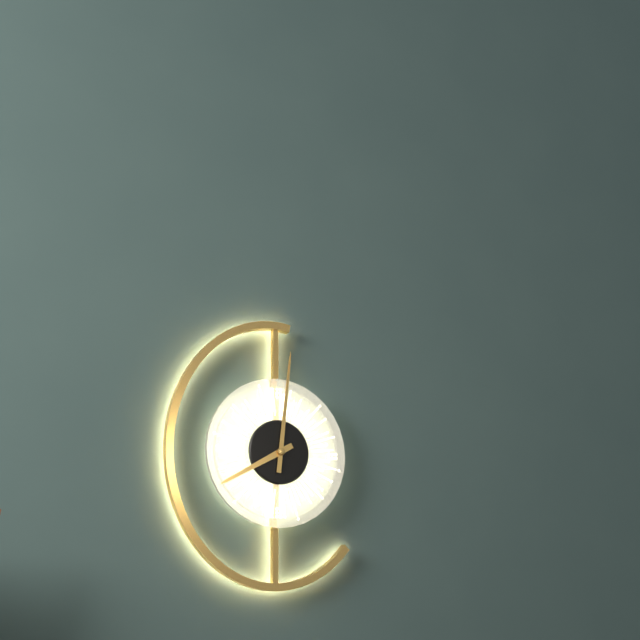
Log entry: 8:01
